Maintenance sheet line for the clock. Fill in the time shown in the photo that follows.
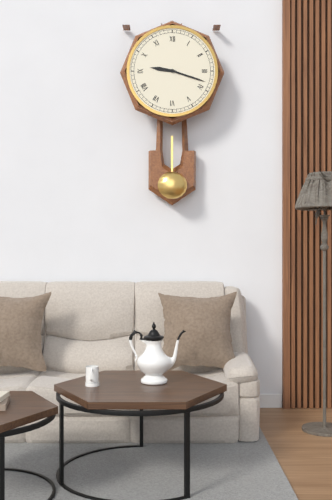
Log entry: 9:18
